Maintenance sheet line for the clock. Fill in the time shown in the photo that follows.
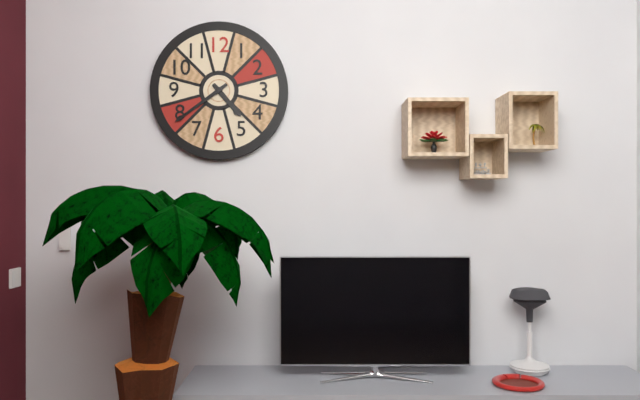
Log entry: 4:39
